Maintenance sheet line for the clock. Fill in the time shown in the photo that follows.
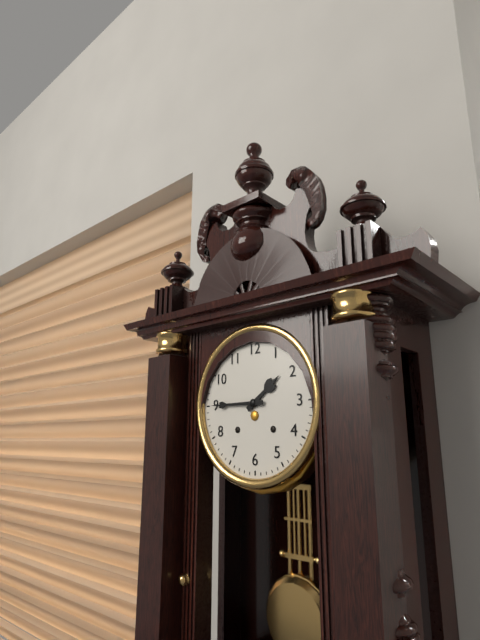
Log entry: 1:45
